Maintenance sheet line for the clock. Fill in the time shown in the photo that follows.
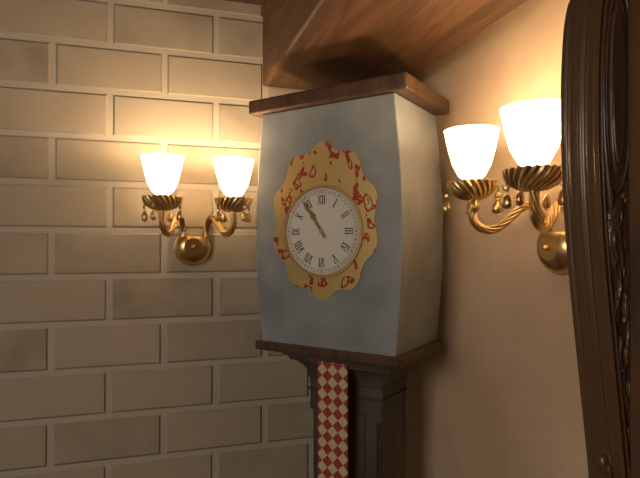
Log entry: 10:54
